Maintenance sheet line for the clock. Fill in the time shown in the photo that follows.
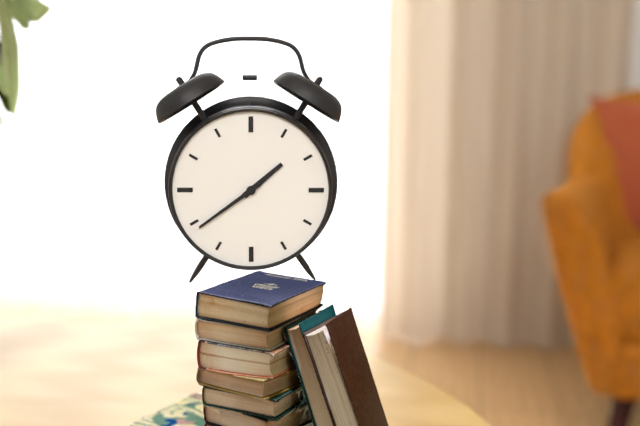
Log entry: 1:39
